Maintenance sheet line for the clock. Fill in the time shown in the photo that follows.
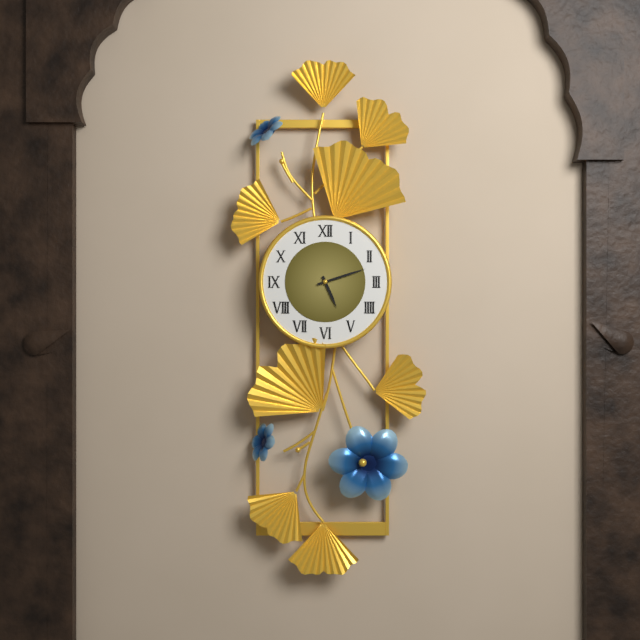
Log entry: 5:12
